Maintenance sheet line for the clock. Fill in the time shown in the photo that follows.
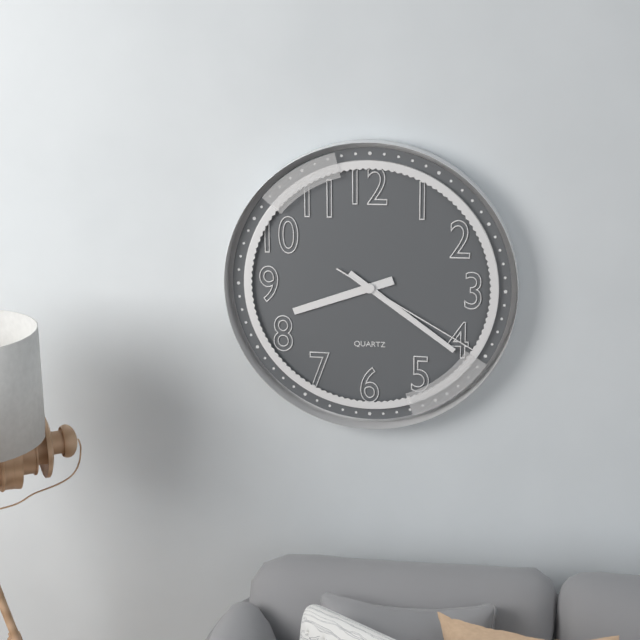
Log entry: 8:21:20
